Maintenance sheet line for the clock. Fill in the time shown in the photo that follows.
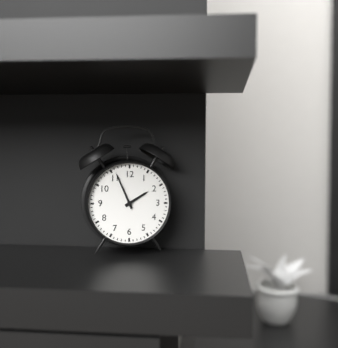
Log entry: 1:56
